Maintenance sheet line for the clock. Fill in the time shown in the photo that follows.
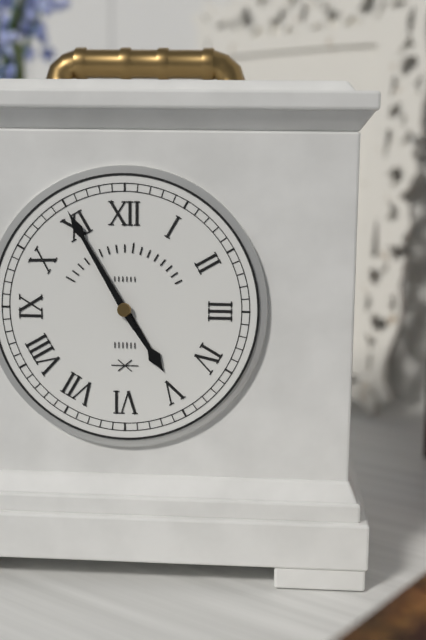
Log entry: 4:55
